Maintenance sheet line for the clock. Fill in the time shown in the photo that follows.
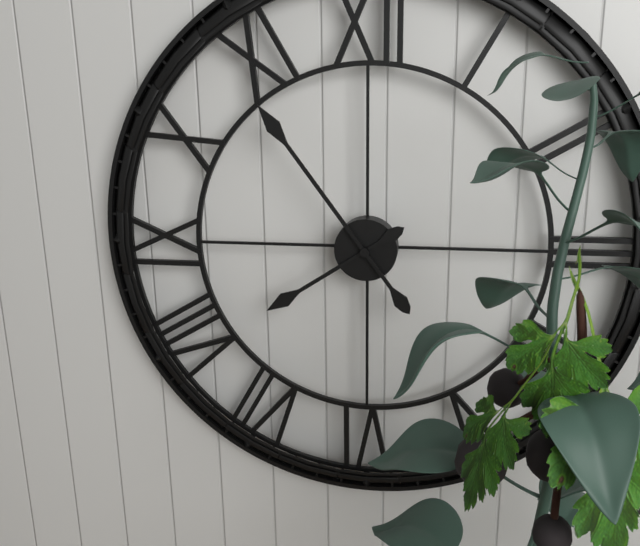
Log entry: 7:54
